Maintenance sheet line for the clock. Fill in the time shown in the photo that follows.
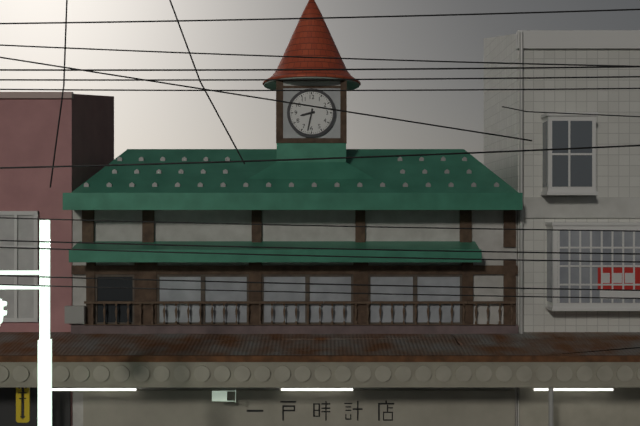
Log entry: 8:32
